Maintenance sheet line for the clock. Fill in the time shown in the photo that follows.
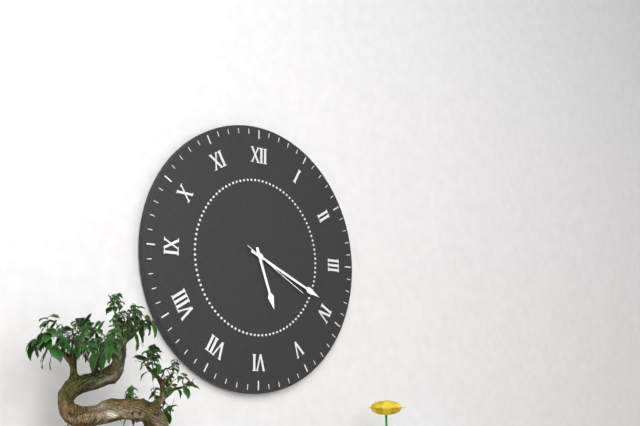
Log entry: 5:19:20
